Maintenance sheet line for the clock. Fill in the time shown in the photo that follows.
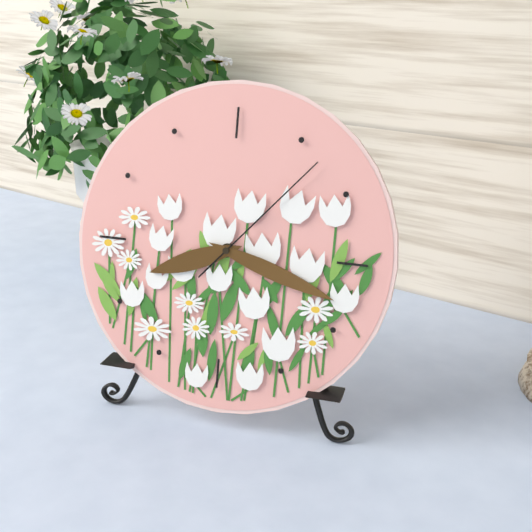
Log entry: 8:18:07
